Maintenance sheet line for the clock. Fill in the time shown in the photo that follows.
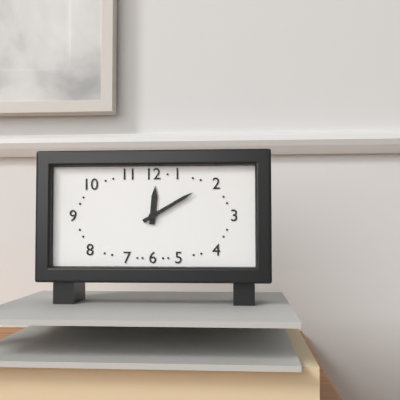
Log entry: 12:10
